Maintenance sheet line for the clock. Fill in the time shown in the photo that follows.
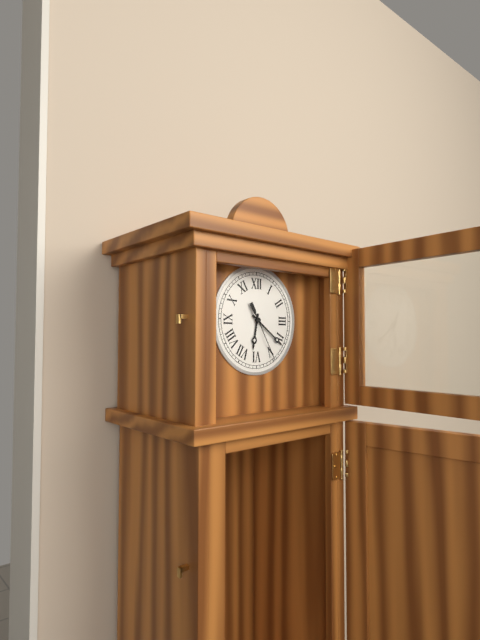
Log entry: 6:21:25
